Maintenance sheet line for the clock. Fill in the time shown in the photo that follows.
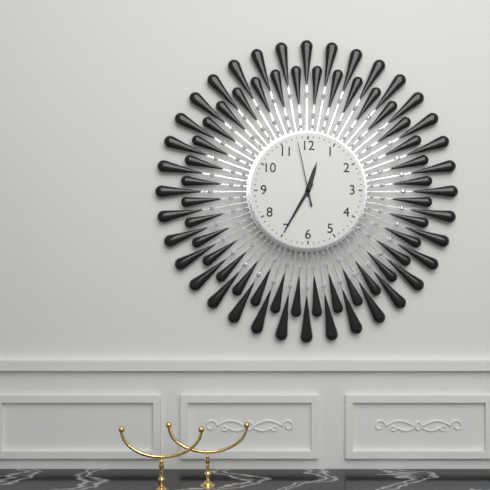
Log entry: 12:35:58
